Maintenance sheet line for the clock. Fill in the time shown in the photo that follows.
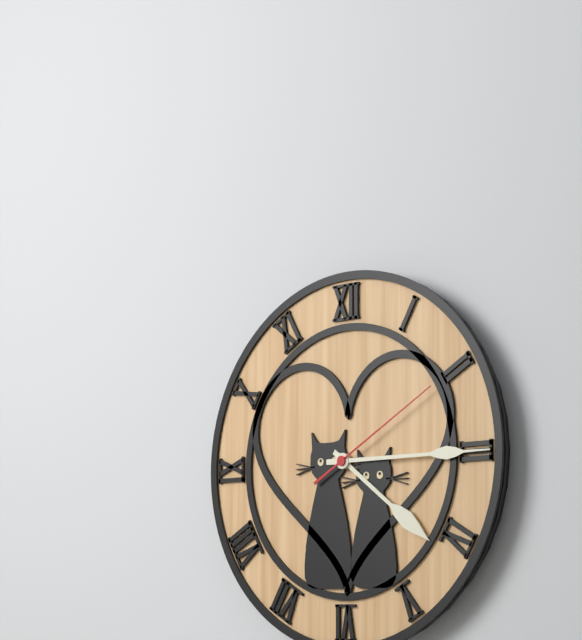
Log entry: 4:15:10
